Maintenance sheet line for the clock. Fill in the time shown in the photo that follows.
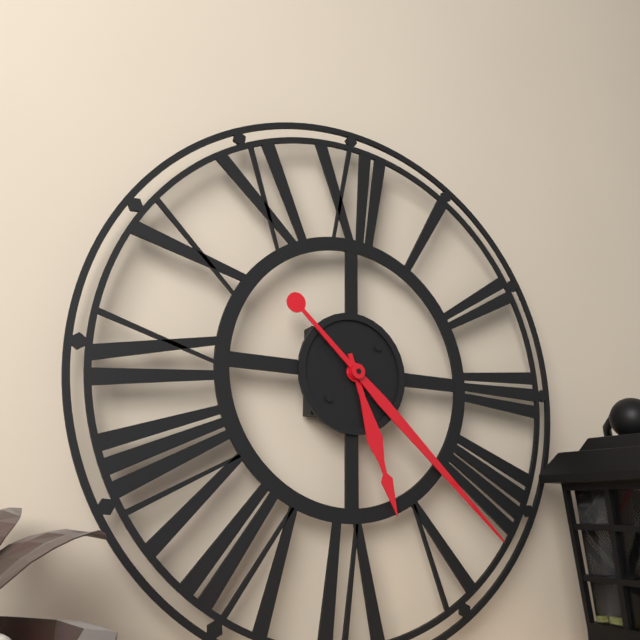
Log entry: 5:22
